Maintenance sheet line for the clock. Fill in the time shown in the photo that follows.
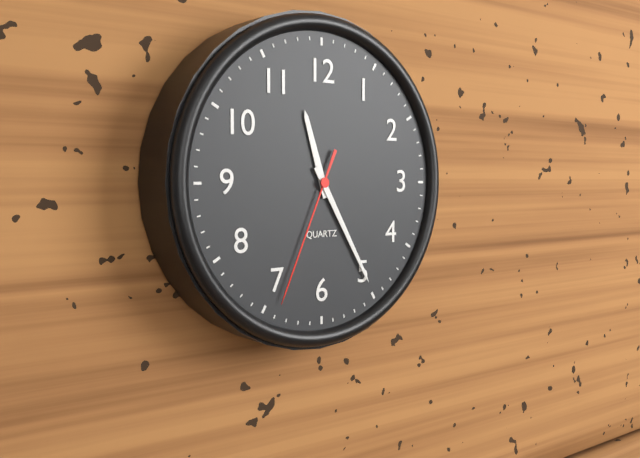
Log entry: 11:25:34
